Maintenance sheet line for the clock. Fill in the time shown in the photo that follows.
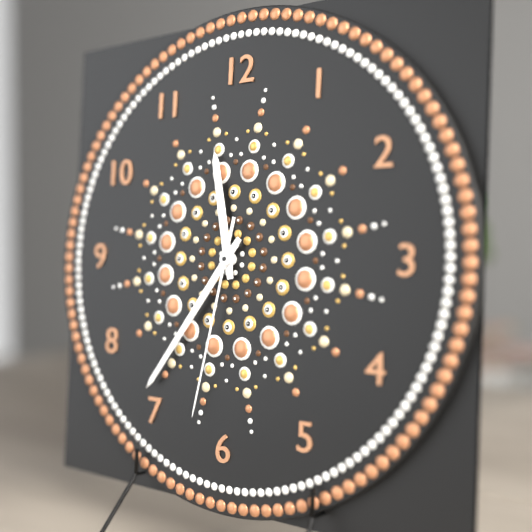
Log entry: 11:36:32
